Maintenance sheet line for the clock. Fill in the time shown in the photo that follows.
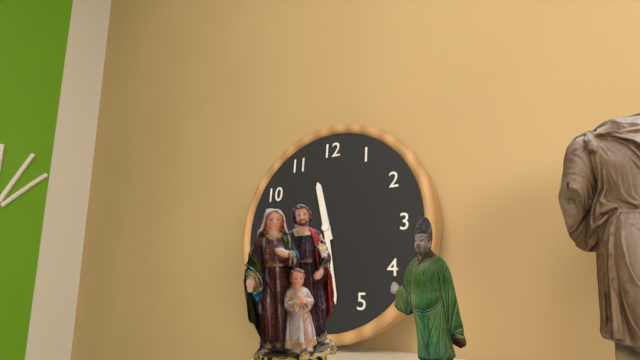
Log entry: 11:28
